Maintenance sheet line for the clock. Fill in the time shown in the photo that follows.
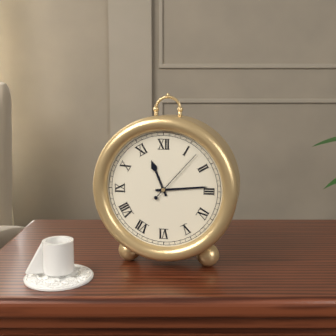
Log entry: 11:14:07
